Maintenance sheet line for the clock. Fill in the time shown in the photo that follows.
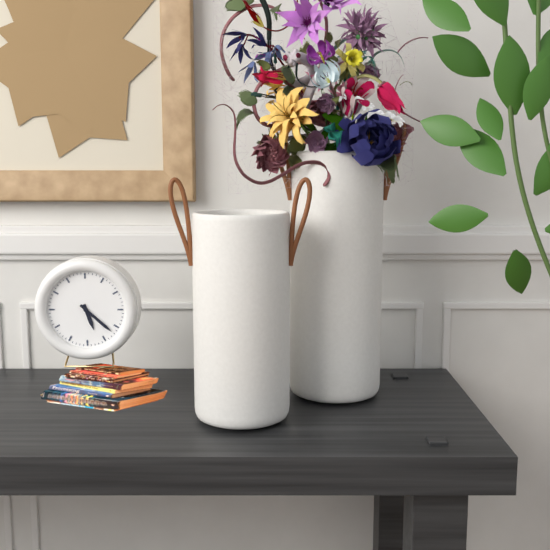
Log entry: 5:22
